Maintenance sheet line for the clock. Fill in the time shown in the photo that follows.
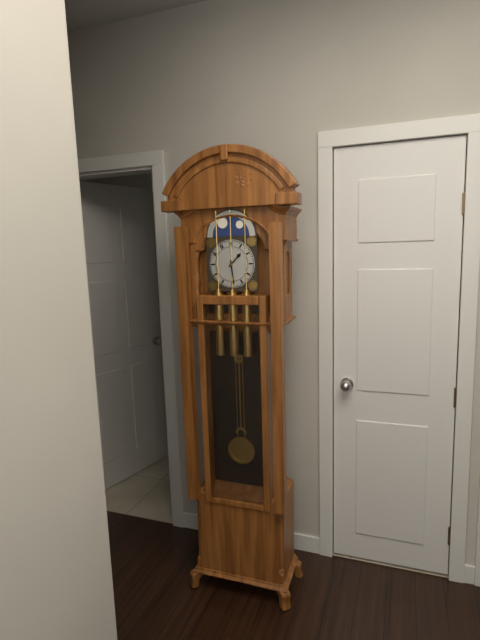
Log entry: 1:29
